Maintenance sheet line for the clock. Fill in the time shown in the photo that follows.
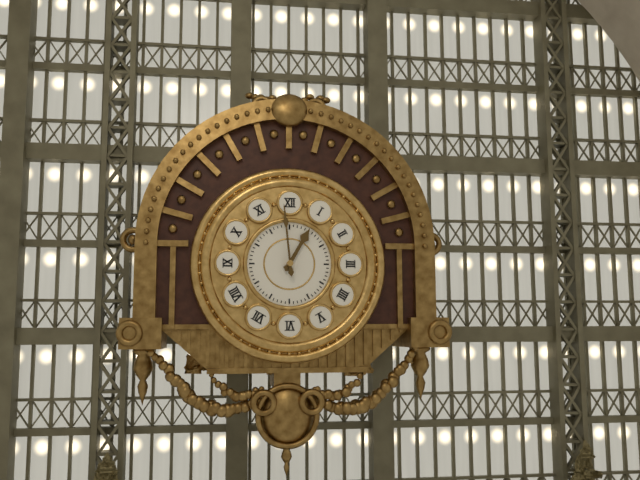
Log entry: 12:59
